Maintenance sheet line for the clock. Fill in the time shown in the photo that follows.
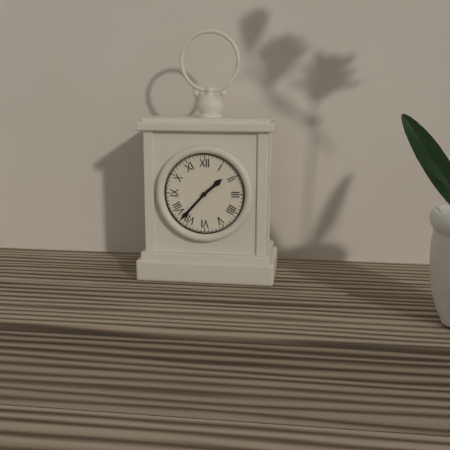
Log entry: 1:37
